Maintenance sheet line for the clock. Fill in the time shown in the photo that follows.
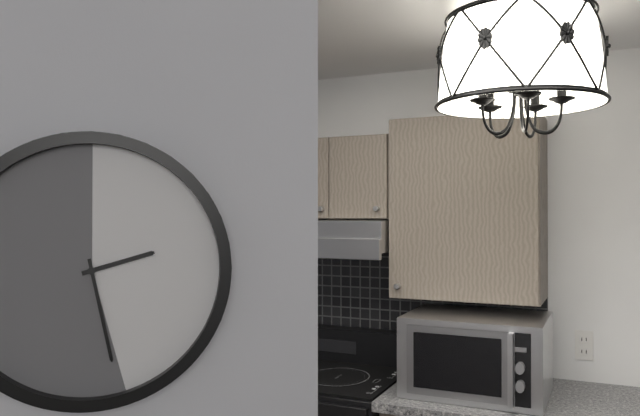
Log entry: 2:28
